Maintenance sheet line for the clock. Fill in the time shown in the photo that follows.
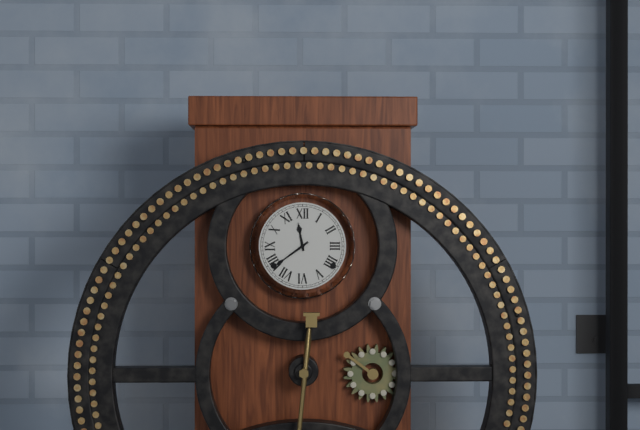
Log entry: 11:39
